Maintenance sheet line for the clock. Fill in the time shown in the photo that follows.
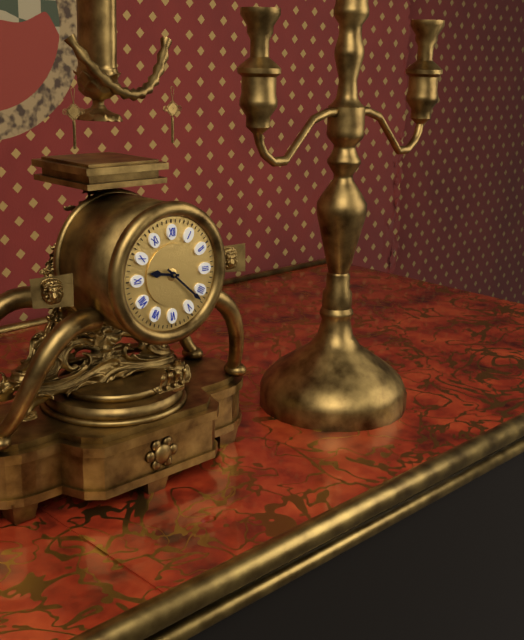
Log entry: 9:22
